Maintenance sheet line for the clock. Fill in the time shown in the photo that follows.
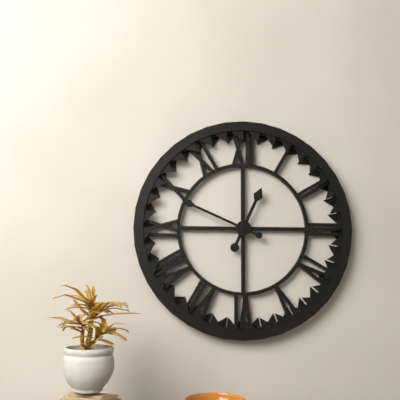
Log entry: 12:49
